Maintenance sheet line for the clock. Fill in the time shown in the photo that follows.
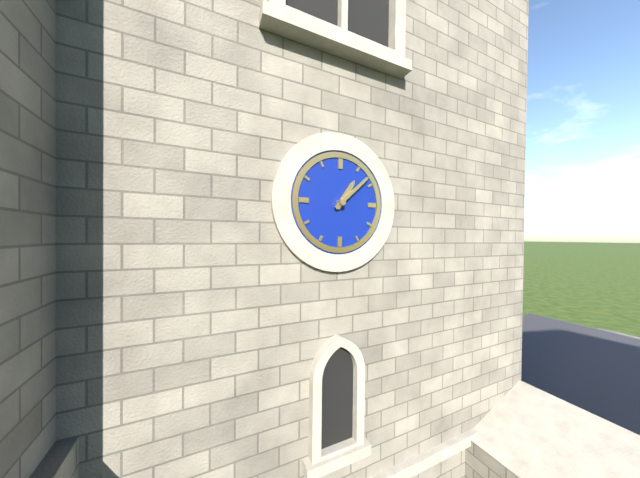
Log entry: 1:08
